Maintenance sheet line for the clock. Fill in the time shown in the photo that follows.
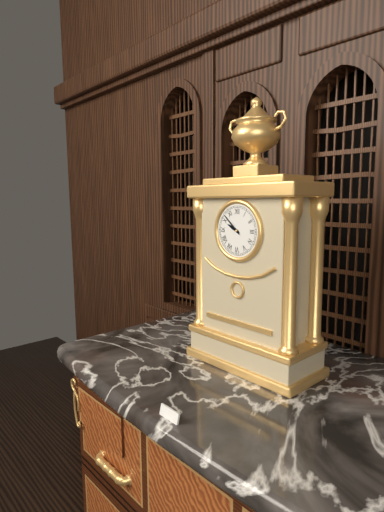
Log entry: 9:52
